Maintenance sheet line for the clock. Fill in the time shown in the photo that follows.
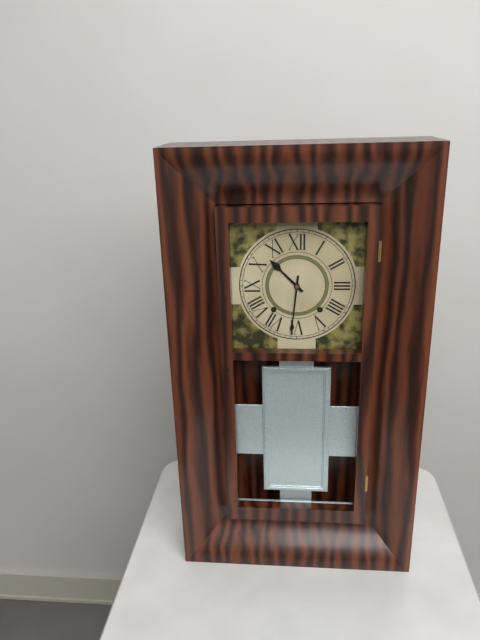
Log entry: 10:31
